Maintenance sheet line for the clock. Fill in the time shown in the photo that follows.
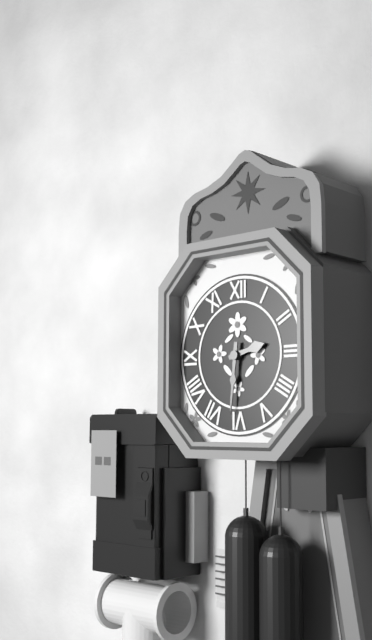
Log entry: 2:31
